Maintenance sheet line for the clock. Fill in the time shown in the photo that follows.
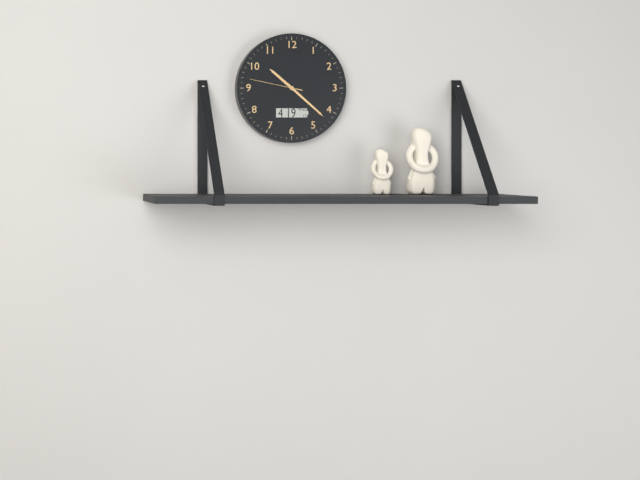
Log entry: 10:22:47
